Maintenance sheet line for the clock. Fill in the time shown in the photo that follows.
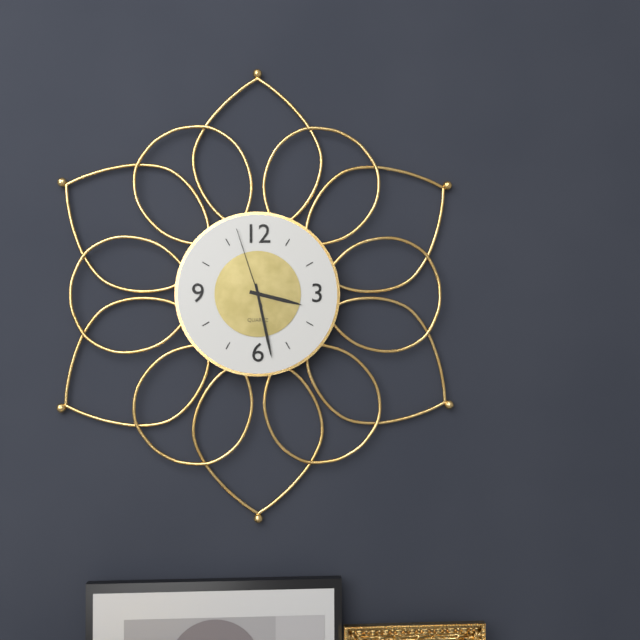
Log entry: 3:28:57
